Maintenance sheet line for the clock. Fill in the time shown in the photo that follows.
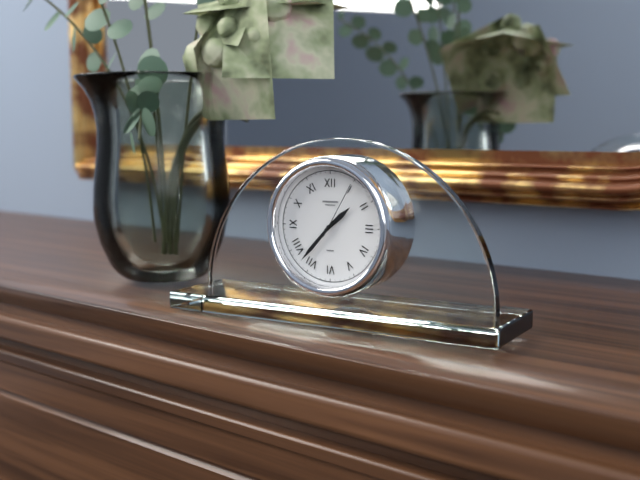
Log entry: 1:37:05
